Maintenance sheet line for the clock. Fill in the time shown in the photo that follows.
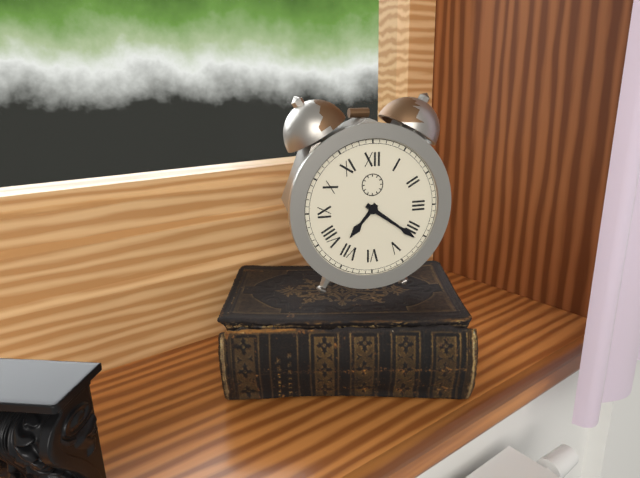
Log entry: 7:21
